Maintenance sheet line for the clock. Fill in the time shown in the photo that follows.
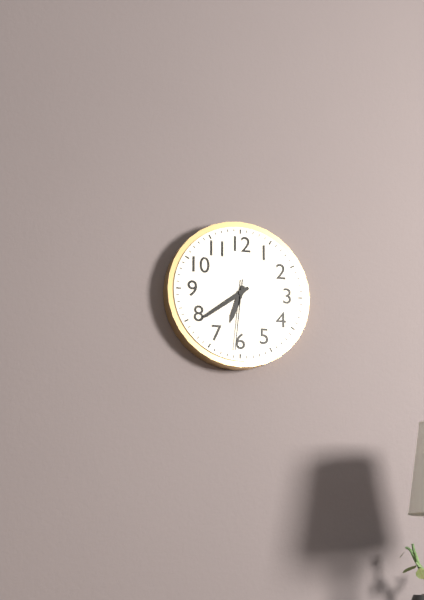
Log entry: 6:39:31
